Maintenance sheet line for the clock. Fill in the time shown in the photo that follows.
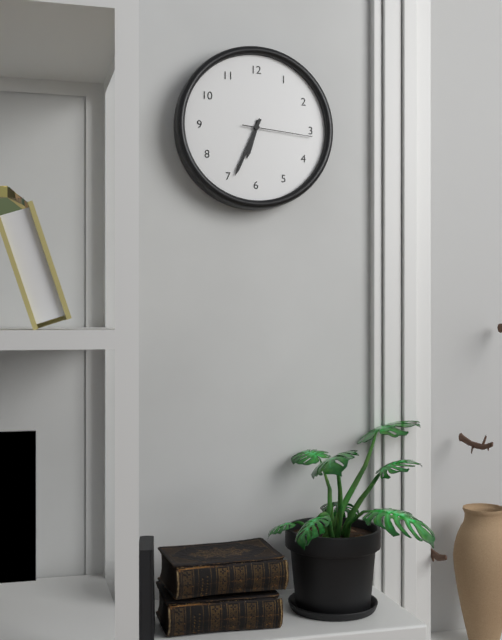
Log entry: 6:34:16
